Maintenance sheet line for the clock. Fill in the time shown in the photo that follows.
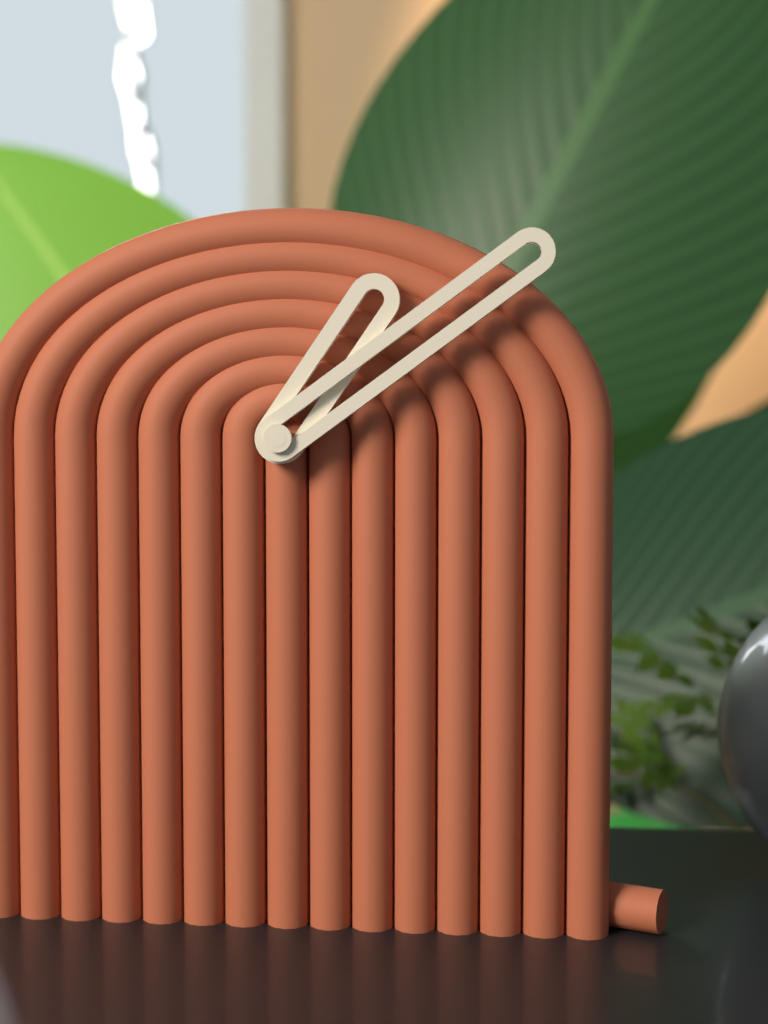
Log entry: 1:09
